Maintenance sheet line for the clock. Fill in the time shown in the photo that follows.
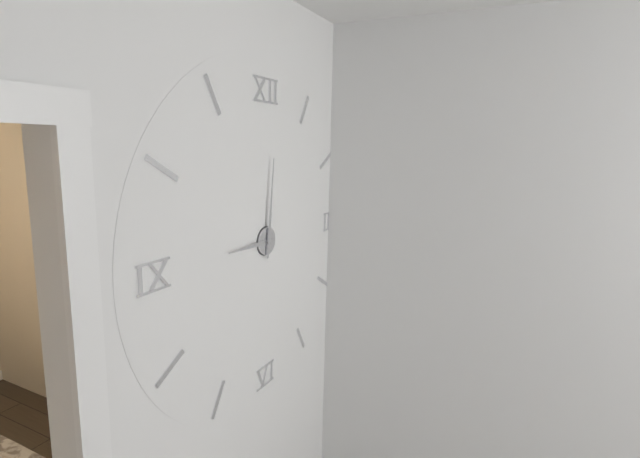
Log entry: 9:01
